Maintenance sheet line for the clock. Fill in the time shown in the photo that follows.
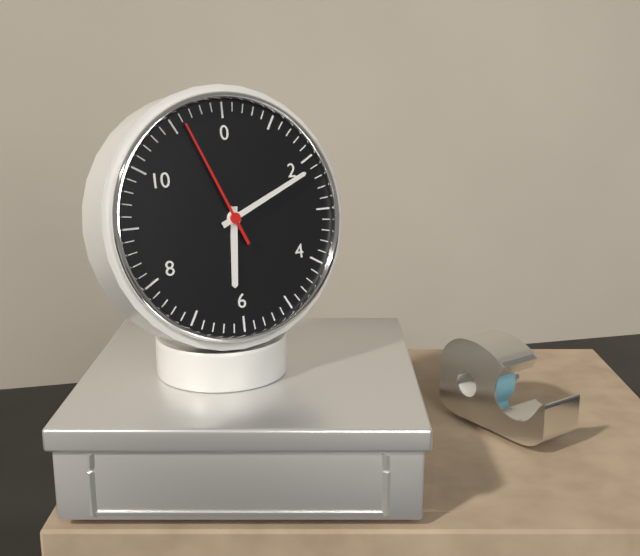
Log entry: 6:11:56
